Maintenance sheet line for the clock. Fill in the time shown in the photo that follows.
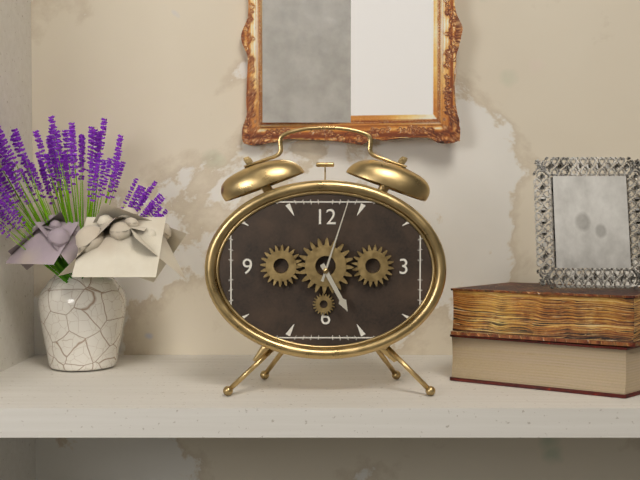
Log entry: 5:03
